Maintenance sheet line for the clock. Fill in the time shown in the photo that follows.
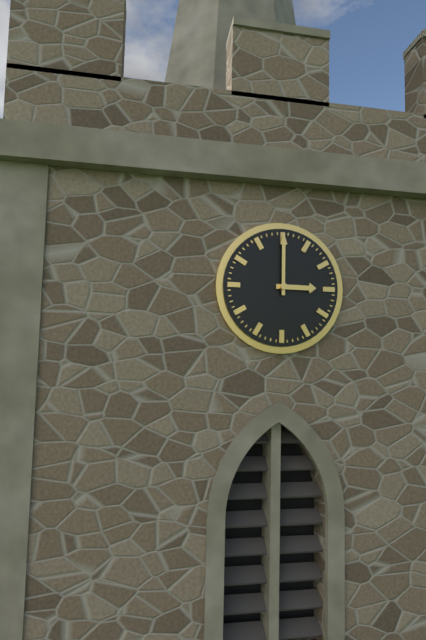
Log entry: 3:00
